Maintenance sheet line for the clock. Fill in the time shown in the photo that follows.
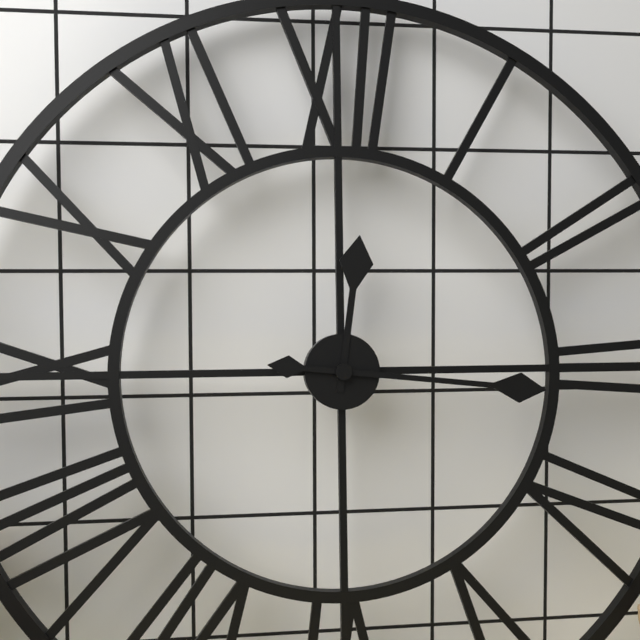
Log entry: 12:16
